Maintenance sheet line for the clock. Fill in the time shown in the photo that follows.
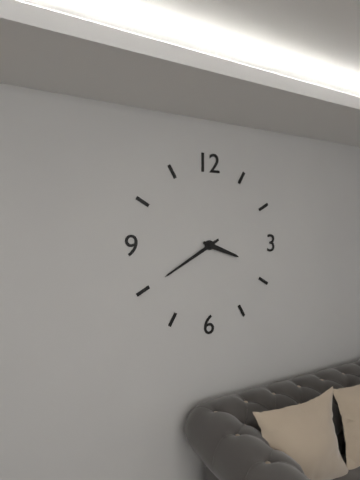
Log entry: 3:40
